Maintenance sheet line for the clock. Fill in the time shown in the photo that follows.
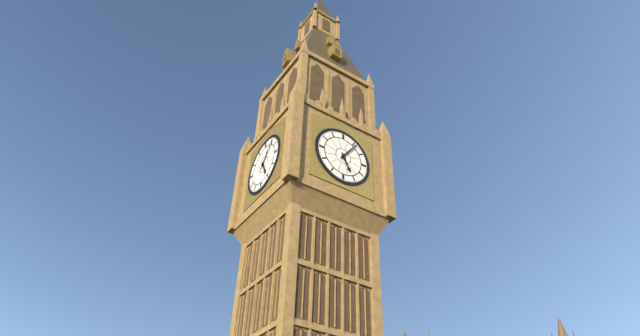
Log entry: 5:06
